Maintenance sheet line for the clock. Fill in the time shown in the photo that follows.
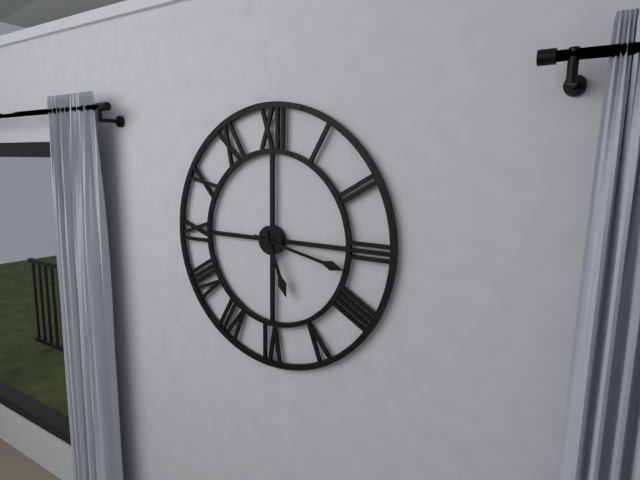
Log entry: 5:17
